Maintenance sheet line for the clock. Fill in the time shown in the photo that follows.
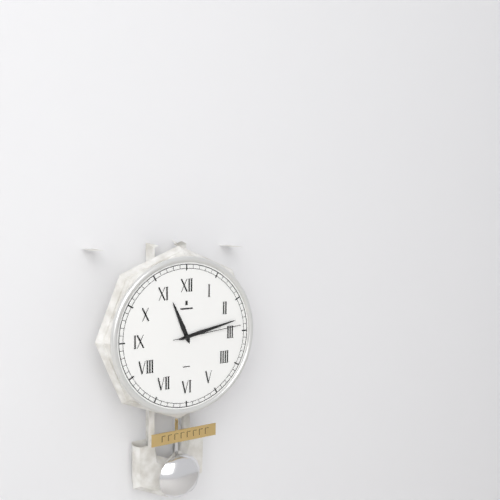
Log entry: 11:13:14
